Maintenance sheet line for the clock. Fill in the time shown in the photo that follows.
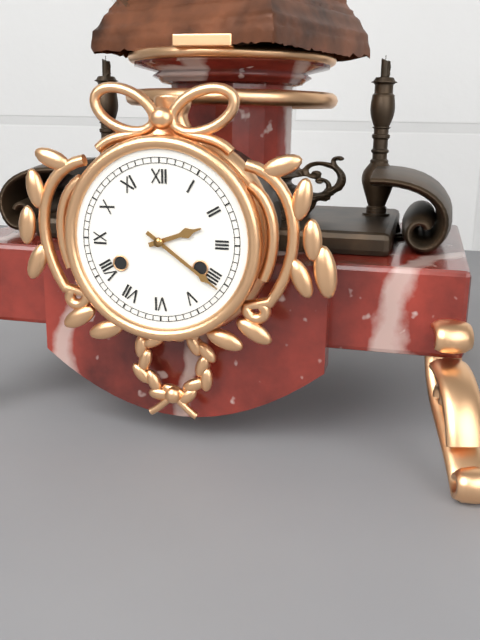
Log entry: 2:21
